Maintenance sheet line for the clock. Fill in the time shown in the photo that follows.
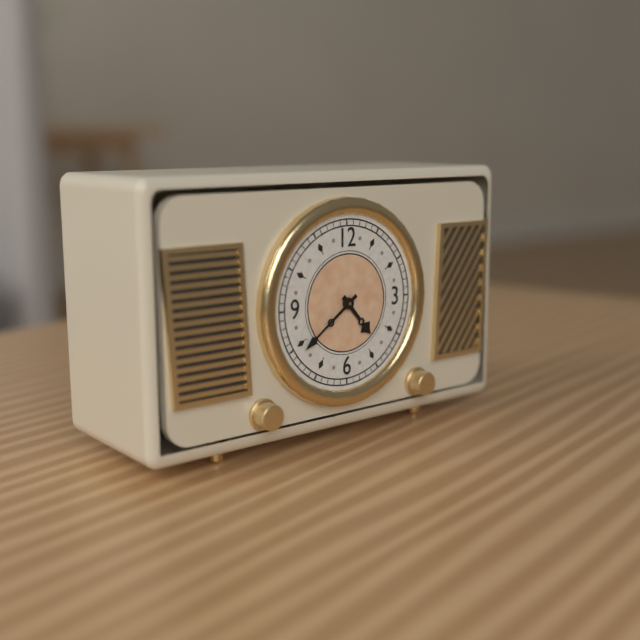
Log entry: 4:39
